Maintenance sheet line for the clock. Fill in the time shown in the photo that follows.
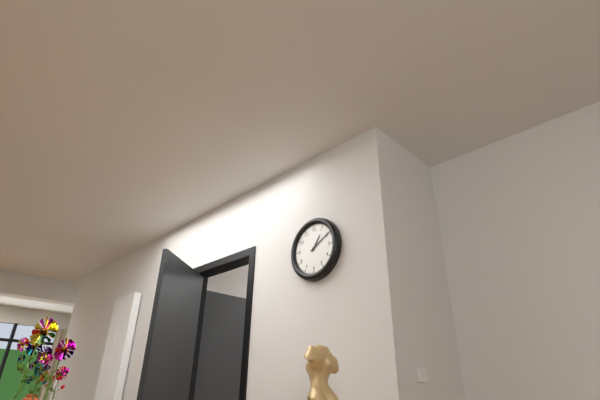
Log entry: 1:10
